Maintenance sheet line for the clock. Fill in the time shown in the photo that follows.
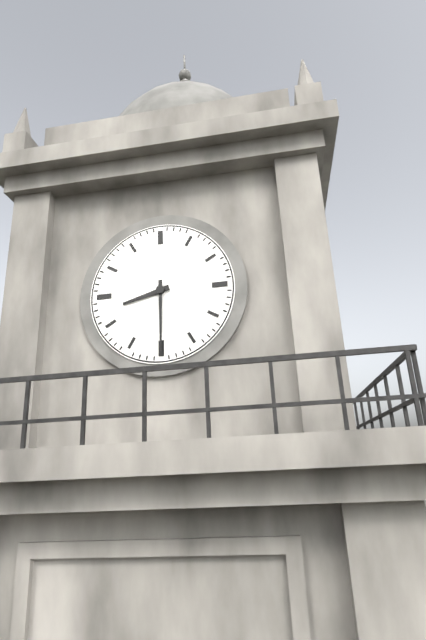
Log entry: 8:30
